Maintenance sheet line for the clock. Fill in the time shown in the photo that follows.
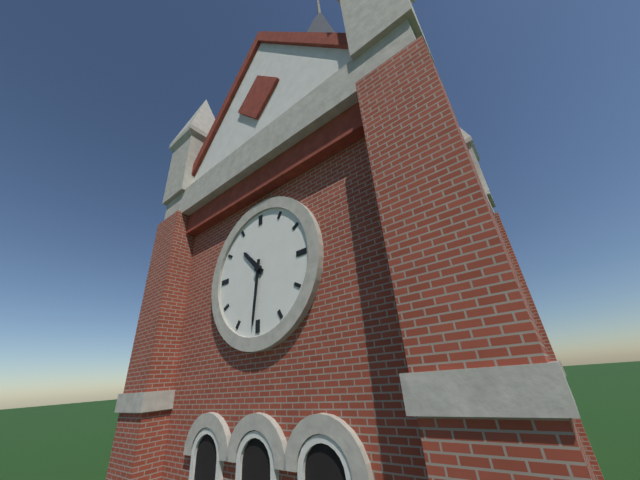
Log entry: 10:31
